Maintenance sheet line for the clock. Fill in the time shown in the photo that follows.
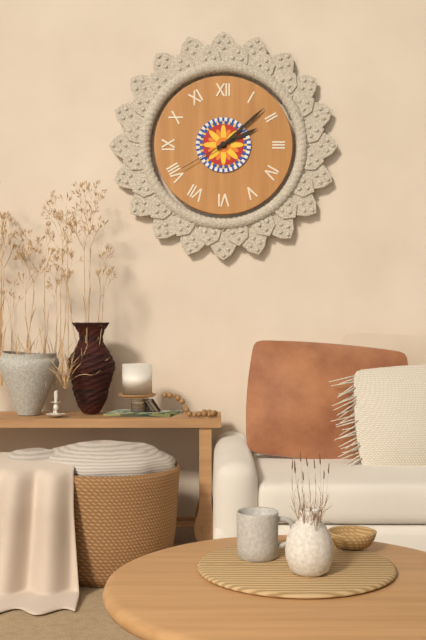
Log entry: 2:08:40
